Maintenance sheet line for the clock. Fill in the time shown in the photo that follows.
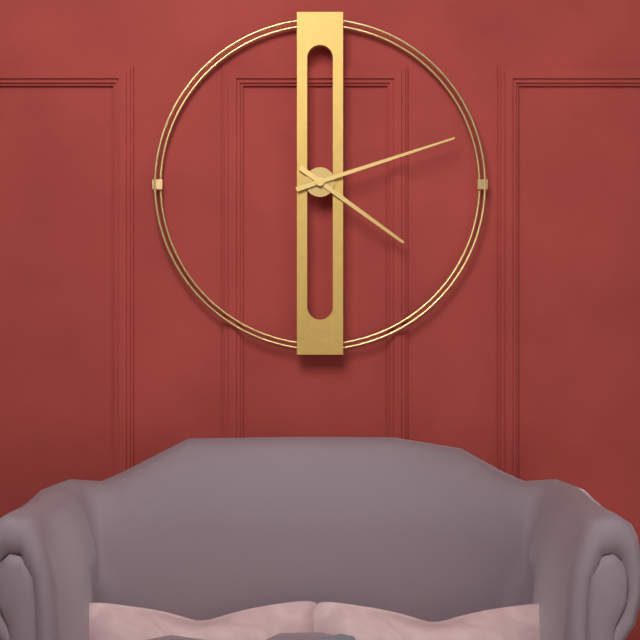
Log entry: 4:12
